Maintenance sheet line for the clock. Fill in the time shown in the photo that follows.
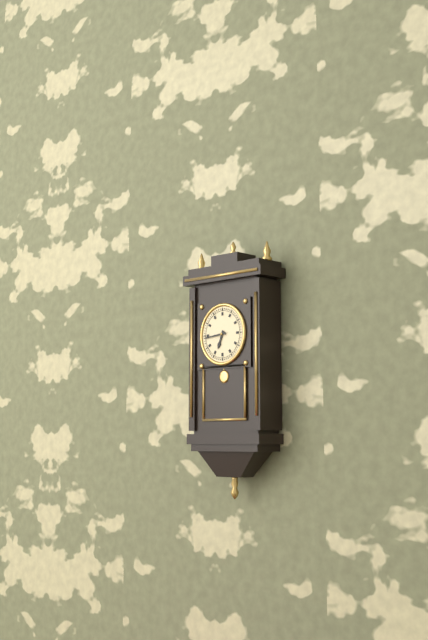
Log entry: 6:44
